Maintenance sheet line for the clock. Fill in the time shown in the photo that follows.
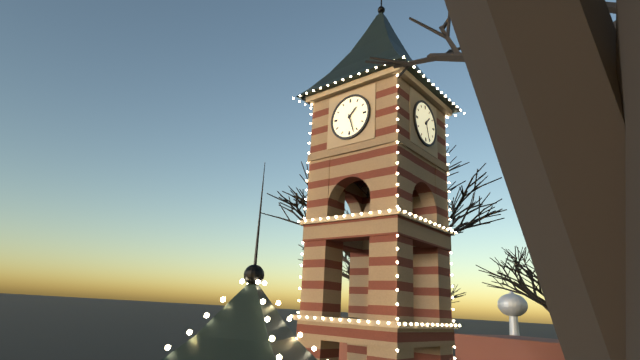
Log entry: 1:27
